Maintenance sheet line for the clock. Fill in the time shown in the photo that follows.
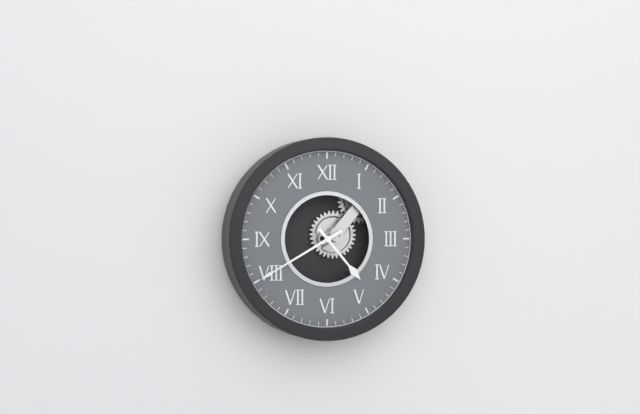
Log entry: 4:40
